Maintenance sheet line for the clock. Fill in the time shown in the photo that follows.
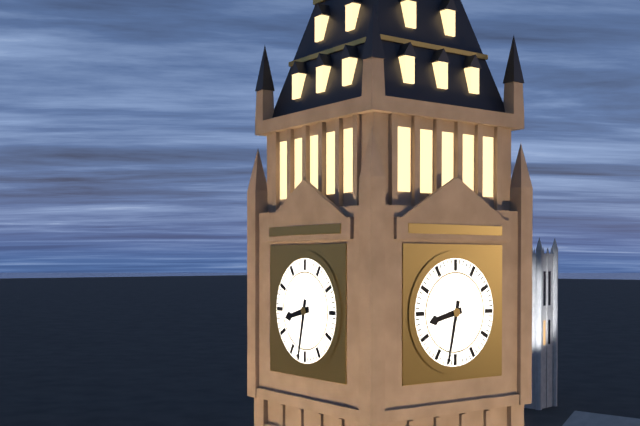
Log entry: 8:32
